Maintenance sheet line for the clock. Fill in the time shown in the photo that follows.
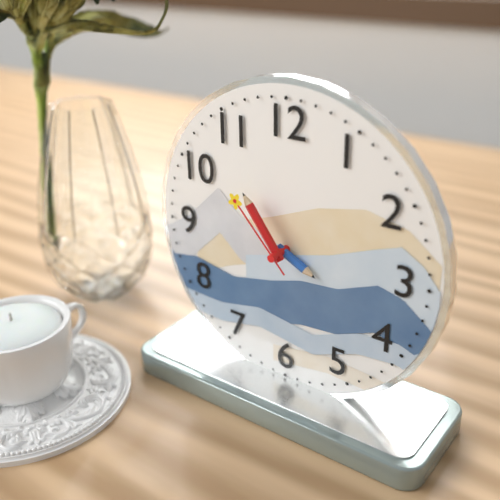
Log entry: 3:54:53
